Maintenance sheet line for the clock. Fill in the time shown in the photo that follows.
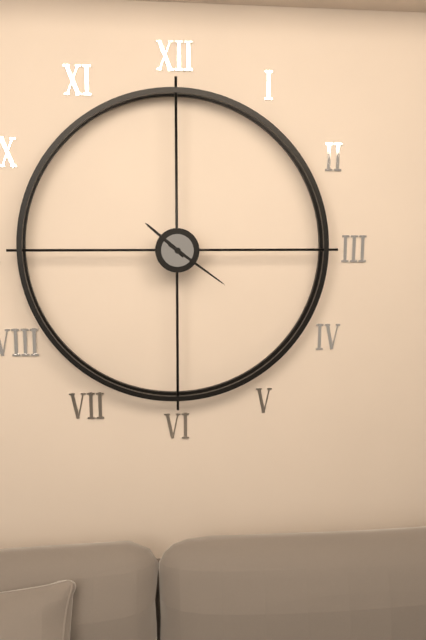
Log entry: 10:21
